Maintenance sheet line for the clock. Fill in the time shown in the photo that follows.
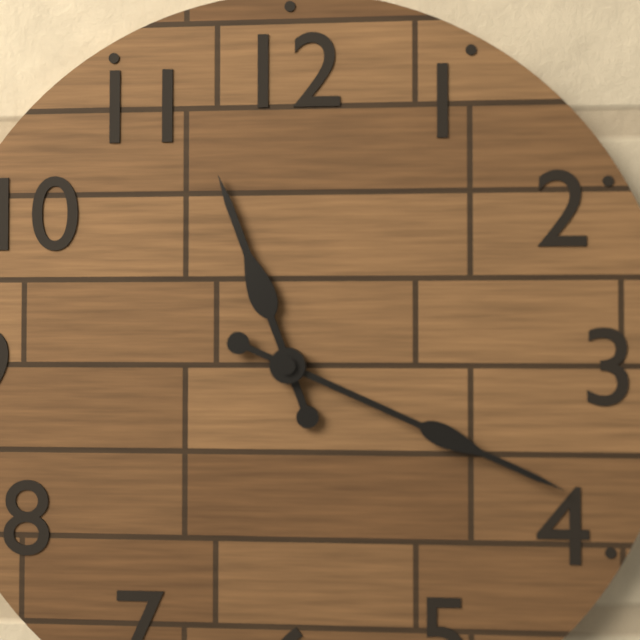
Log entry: 11:19
